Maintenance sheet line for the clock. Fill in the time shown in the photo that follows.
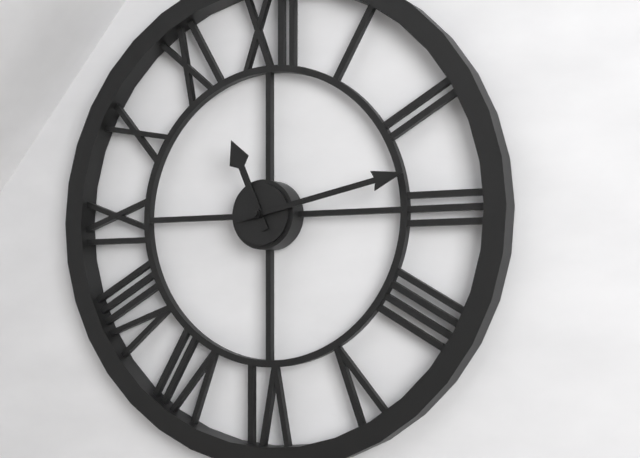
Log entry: 11:13
